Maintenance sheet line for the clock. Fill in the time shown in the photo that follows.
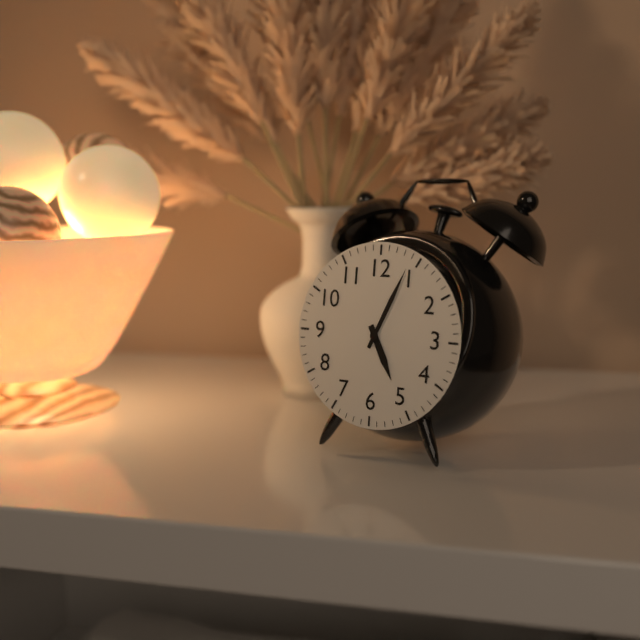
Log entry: 5:04
